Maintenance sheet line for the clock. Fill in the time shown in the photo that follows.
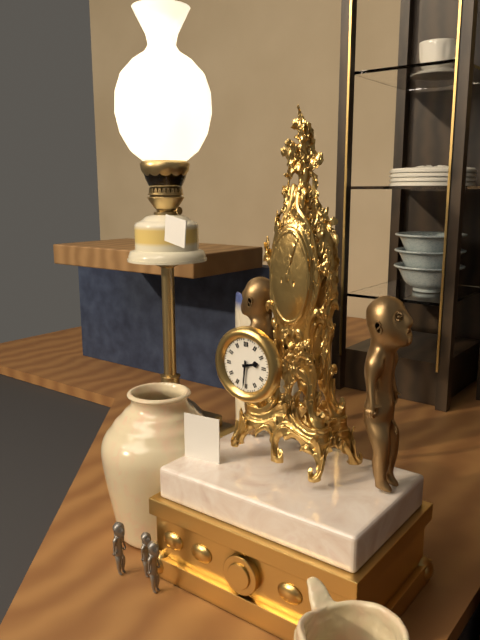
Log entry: 2:31
